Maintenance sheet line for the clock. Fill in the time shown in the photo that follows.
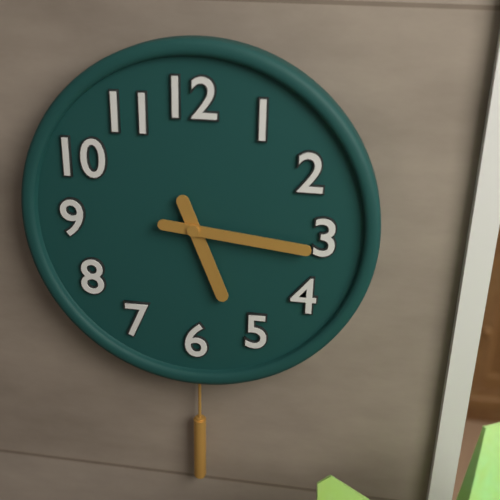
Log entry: 5:16
